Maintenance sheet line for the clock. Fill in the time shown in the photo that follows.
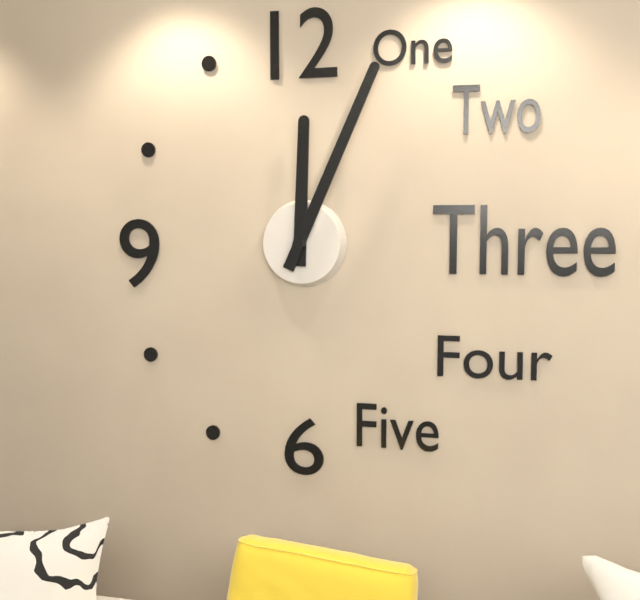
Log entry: 12:04
